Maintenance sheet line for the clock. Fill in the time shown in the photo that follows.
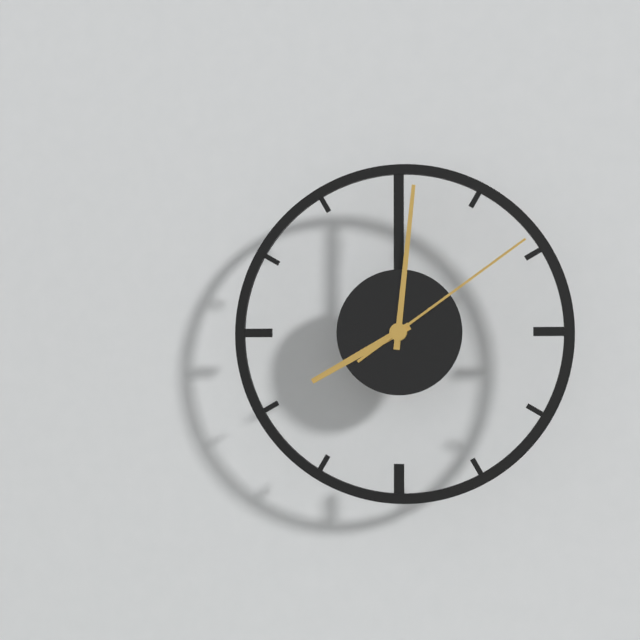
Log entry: 8:01:09
